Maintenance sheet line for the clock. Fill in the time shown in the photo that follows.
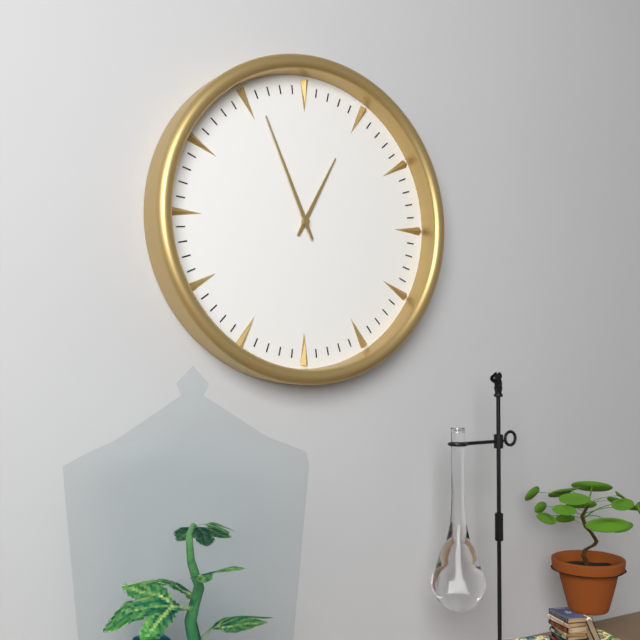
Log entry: 12:56
